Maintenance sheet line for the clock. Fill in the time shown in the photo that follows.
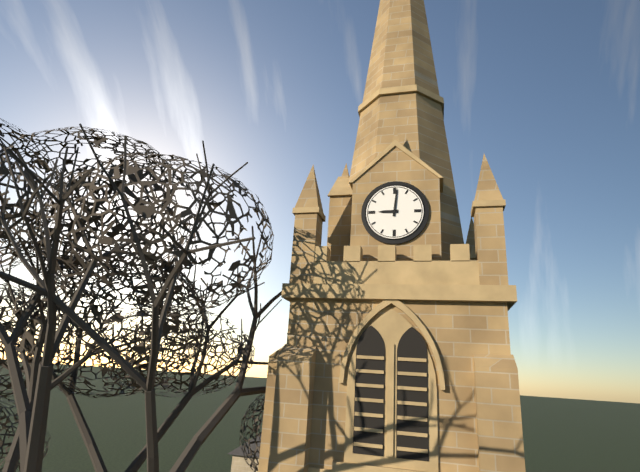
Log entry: 9:01
